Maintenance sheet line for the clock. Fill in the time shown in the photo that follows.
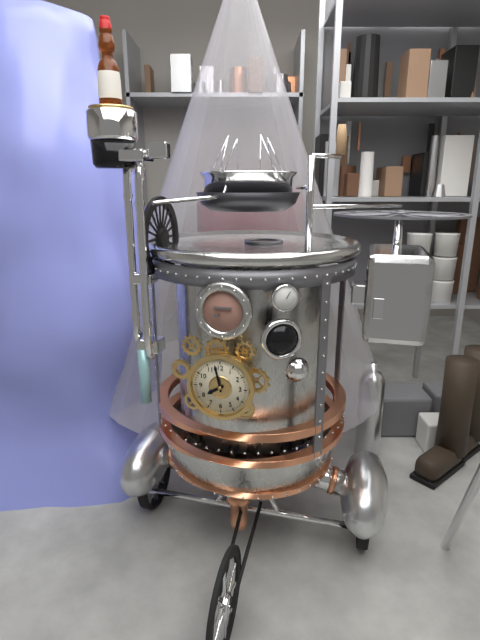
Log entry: 7:58
